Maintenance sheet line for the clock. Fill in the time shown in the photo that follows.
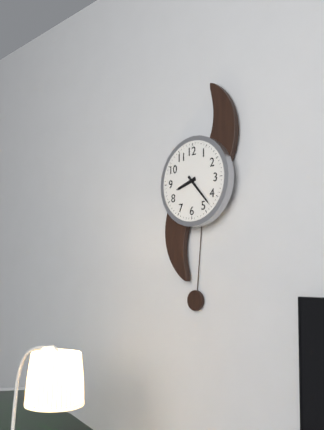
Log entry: 8:23
